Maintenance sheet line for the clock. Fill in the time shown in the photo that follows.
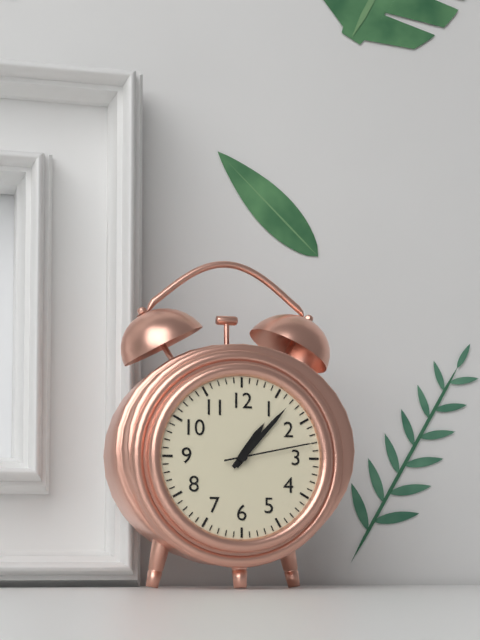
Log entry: 1:07:13
